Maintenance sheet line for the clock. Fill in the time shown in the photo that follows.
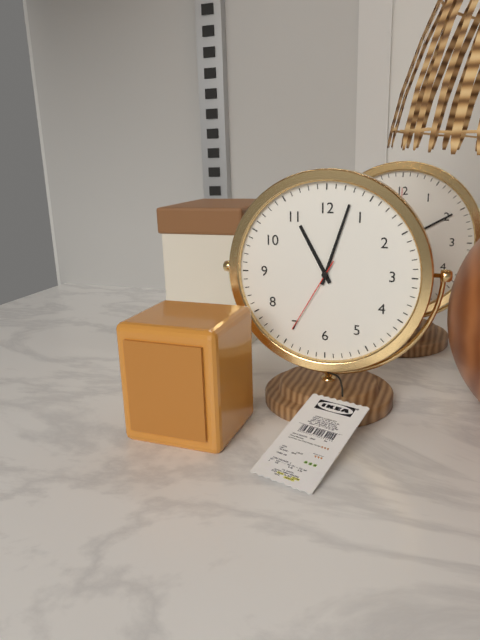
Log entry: 11:03:35
